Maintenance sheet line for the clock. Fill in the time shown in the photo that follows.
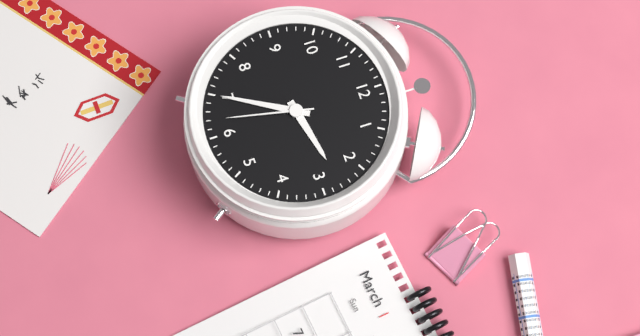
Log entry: 2:35:32
